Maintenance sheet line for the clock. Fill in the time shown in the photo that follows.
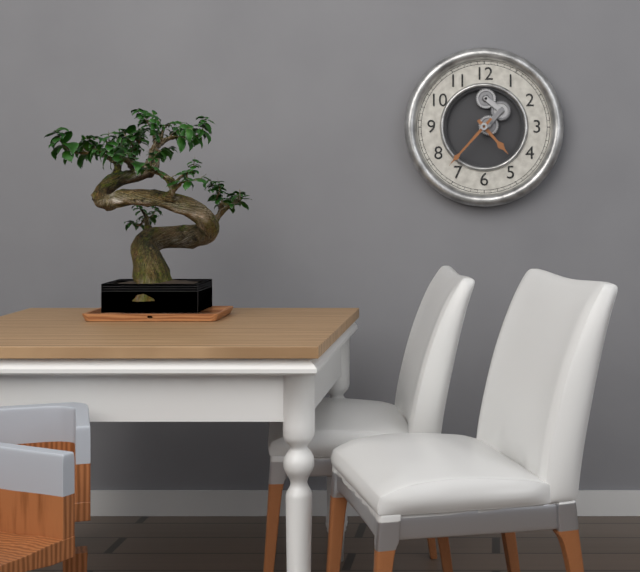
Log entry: 4:37
